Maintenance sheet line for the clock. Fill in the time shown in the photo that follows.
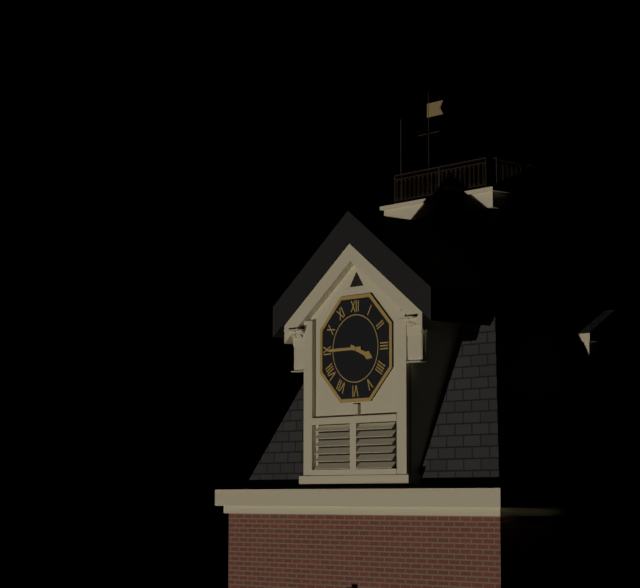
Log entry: 3:45
